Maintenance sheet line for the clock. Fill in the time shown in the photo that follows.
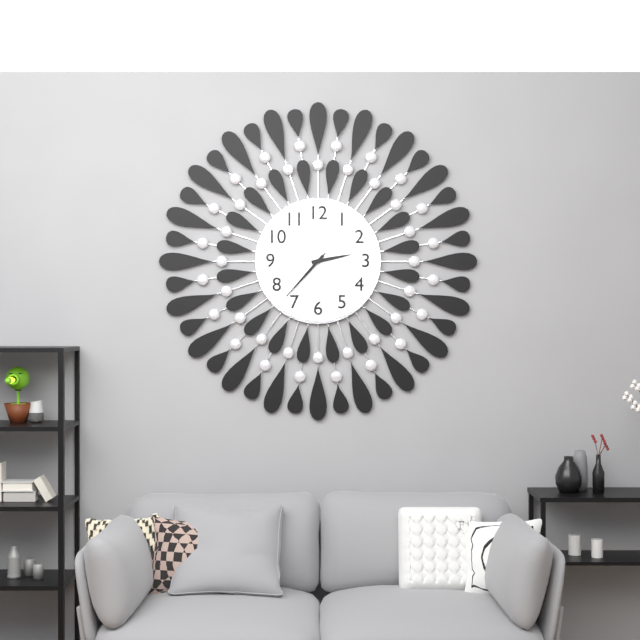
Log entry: 2:37:37
